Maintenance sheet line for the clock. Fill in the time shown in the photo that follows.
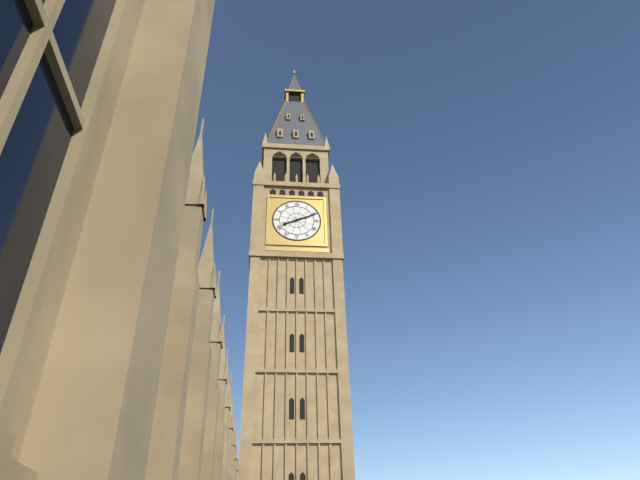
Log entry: 8:11
